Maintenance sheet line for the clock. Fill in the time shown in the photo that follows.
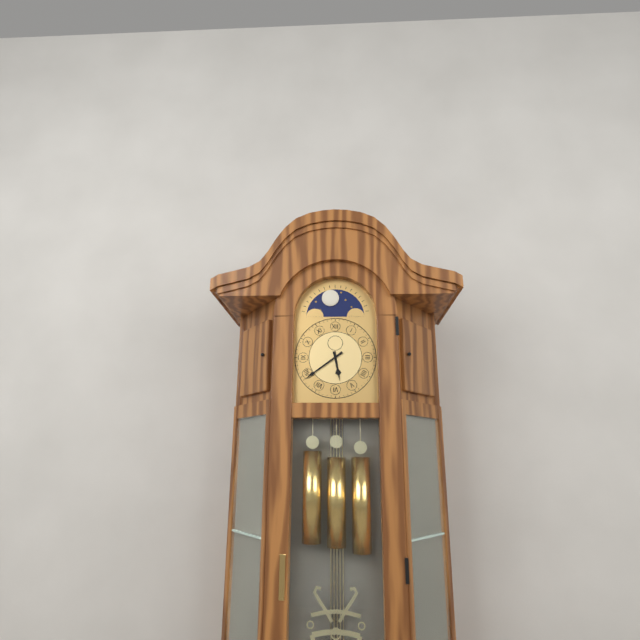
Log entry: 5:39
